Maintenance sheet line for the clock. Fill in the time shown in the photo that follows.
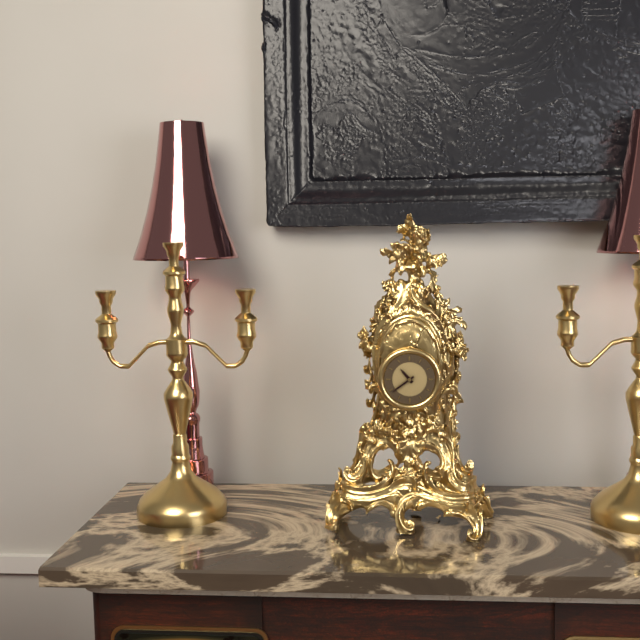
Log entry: 10:39
